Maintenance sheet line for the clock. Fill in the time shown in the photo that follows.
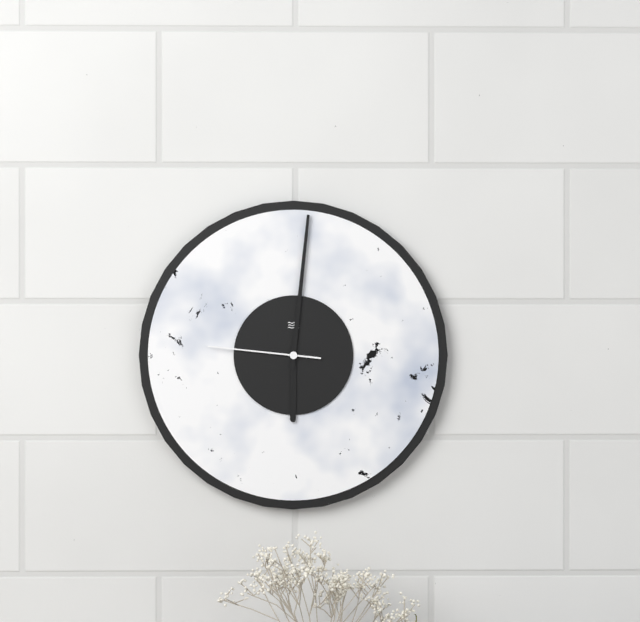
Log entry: 6:01:46
